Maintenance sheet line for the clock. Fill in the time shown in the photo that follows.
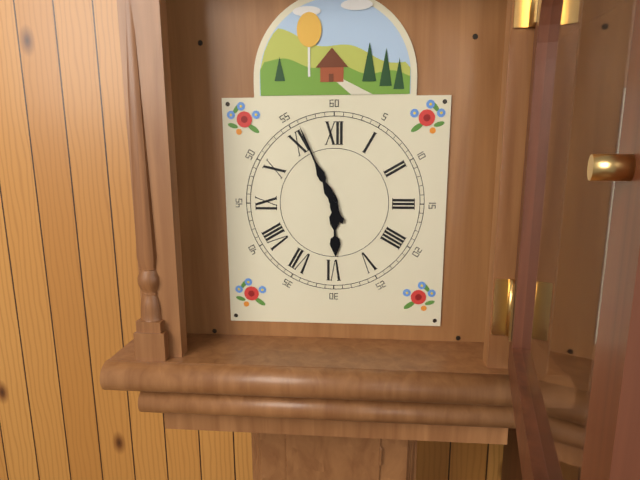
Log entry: 5:56
